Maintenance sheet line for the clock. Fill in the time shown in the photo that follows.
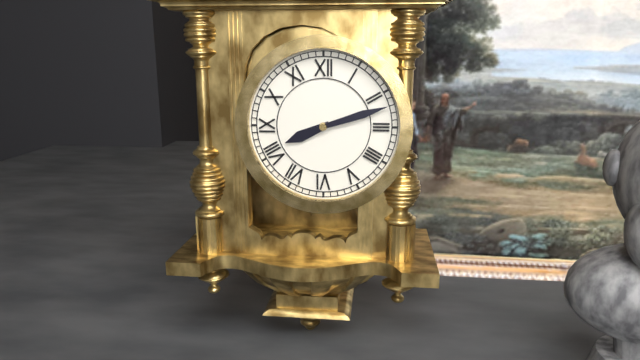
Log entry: 8:12
